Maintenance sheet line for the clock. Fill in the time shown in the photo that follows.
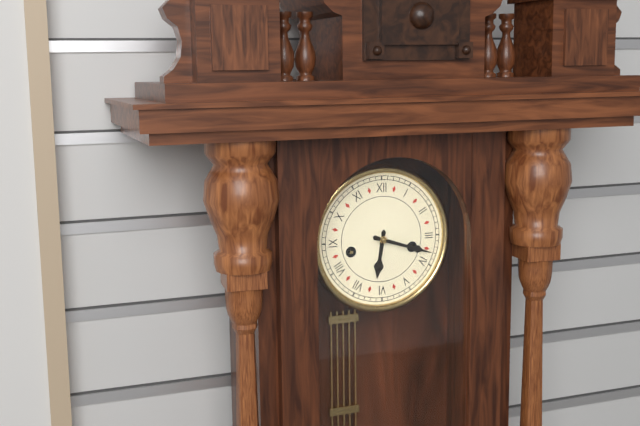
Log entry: 6:18
